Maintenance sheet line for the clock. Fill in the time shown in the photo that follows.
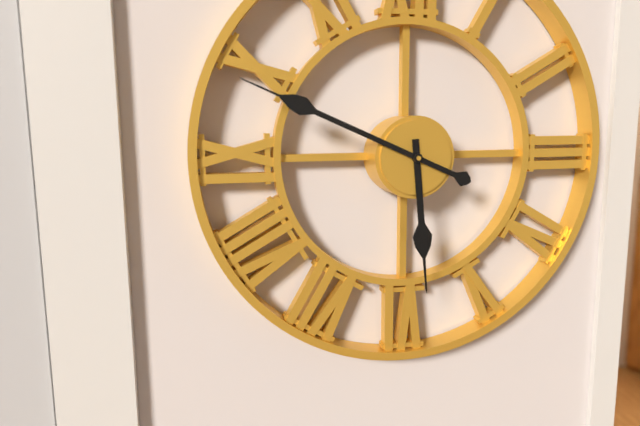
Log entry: 5:49
